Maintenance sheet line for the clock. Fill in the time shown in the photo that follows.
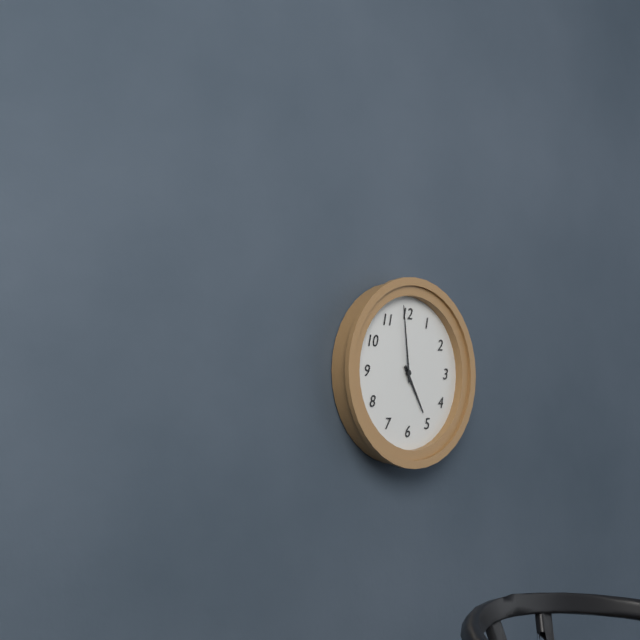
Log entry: 4:59
